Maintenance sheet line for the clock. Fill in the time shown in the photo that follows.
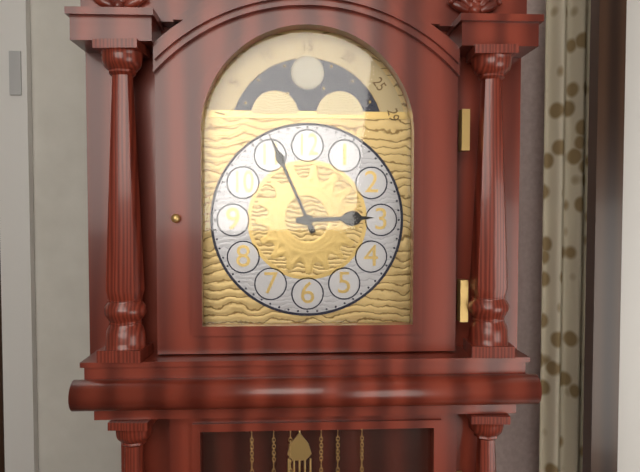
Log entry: 2:56
